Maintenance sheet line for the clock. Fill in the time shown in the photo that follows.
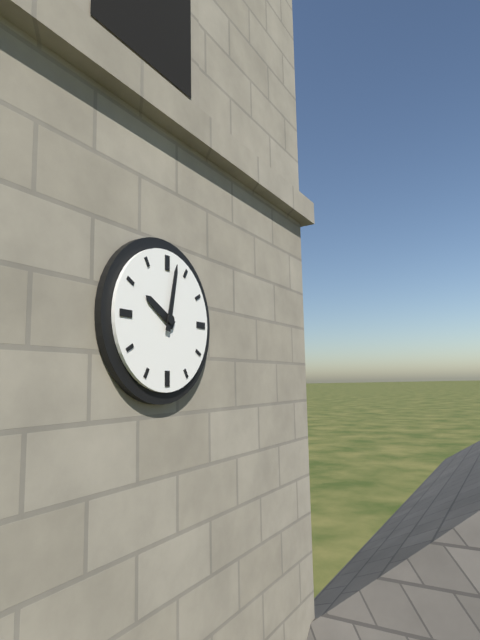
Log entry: 10:02
